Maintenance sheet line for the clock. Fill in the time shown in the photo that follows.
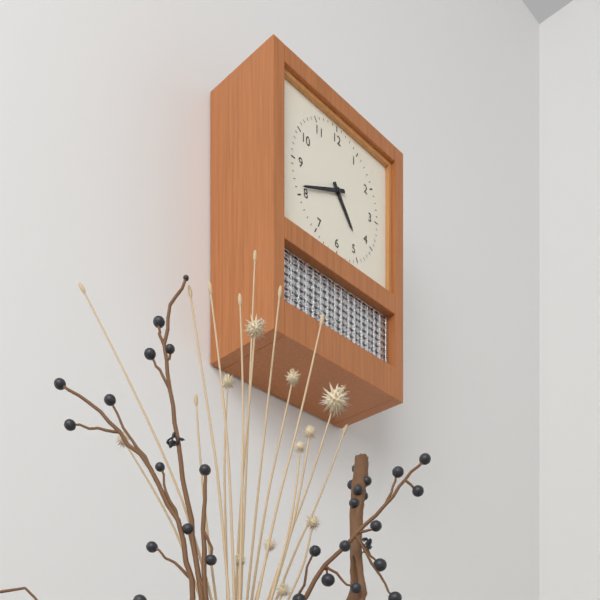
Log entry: 4:41
